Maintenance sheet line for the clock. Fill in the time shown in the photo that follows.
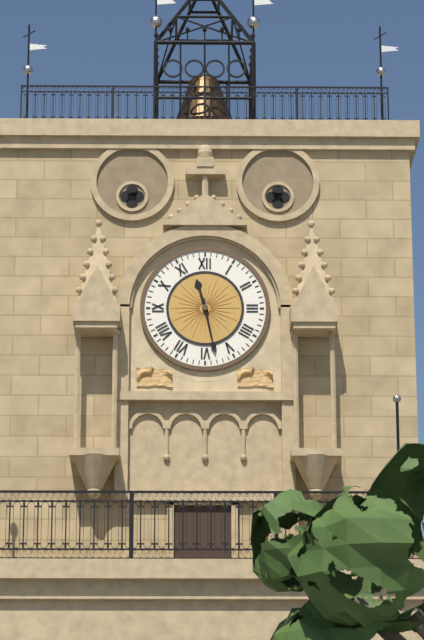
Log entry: 11:28
